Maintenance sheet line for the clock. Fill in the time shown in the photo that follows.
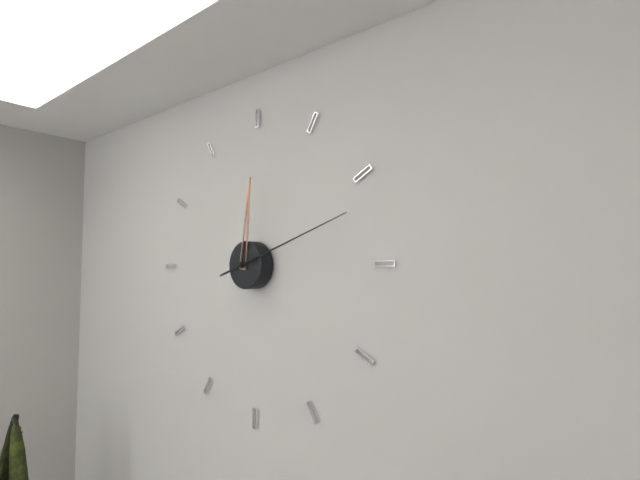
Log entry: 12:12
